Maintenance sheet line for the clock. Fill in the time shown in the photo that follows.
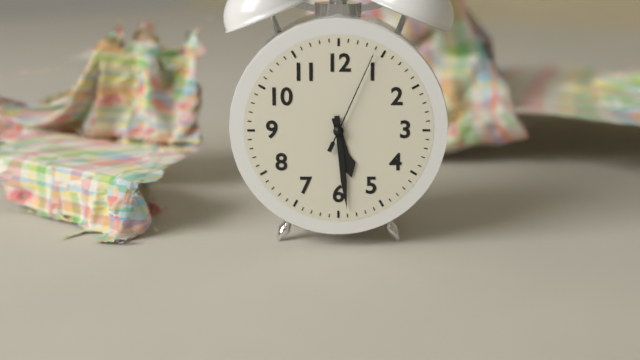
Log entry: 5:29:04
